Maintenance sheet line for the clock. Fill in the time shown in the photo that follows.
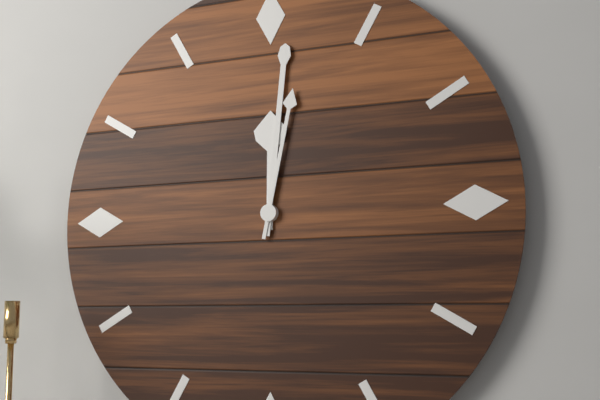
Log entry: 12:01:02
